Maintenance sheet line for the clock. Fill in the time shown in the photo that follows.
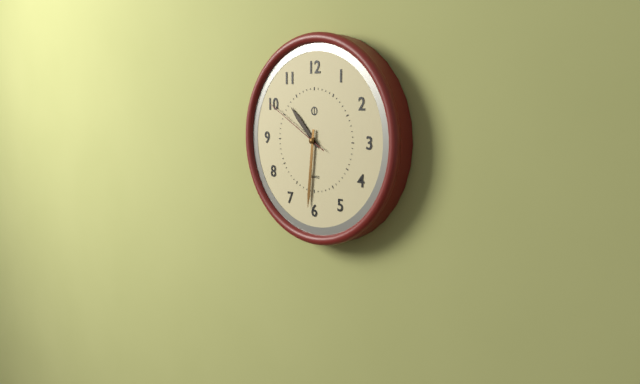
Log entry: 10:31:50
